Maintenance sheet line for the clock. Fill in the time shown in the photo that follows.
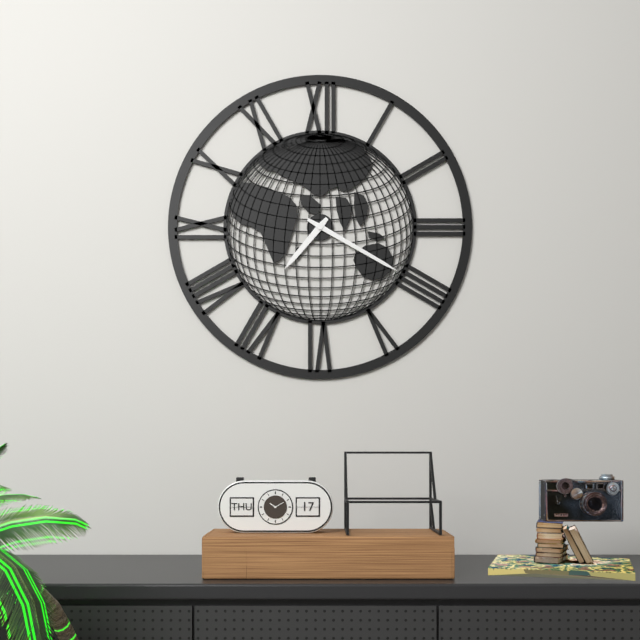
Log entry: 7:20
